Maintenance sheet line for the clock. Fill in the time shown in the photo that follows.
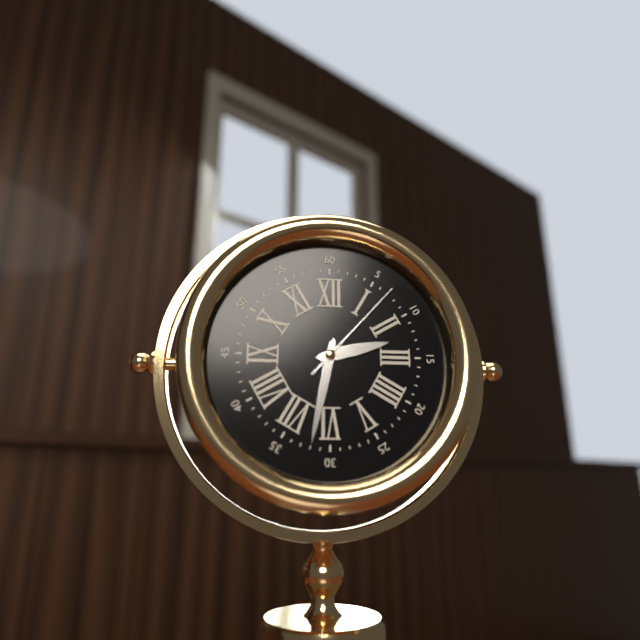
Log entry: 2:32:07
